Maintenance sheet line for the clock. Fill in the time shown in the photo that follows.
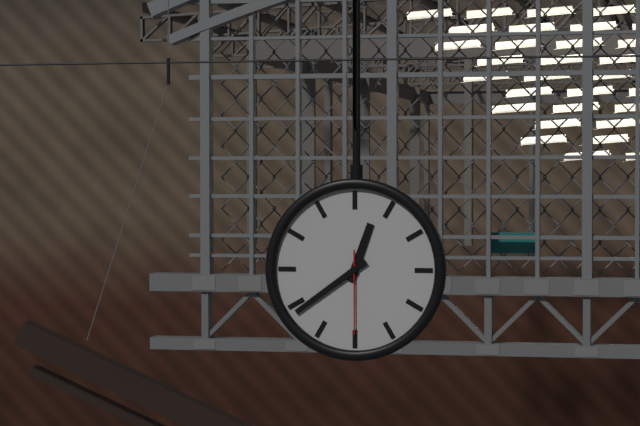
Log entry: 12:39:30
